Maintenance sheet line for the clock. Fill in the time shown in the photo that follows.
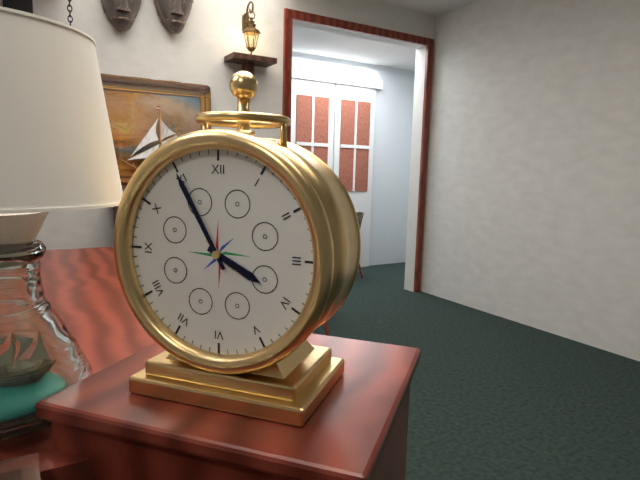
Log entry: 3:55
